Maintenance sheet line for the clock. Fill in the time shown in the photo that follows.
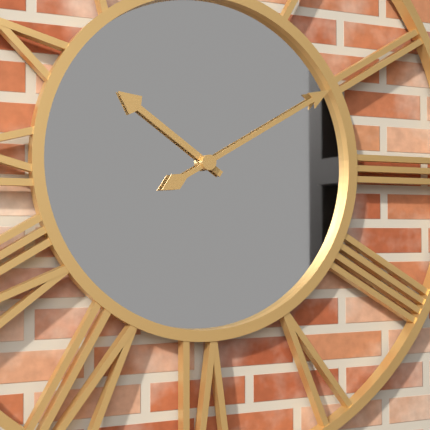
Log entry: 10:10
